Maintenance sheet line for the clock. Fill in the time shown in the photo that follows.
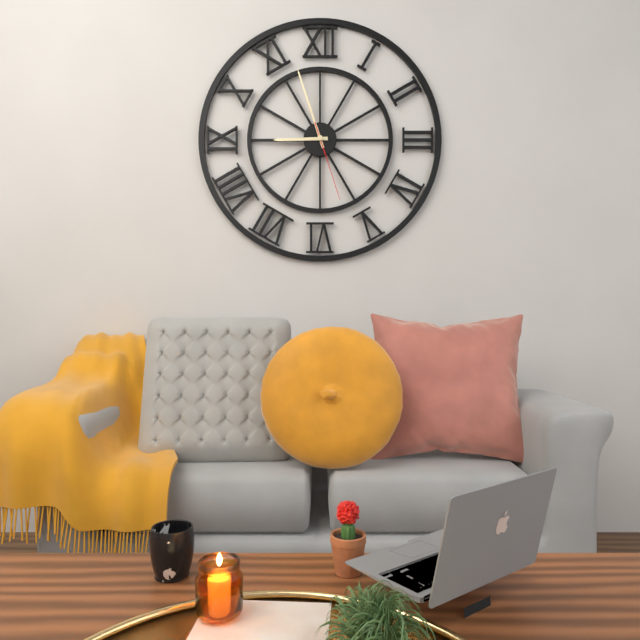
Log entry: 8:57:27
